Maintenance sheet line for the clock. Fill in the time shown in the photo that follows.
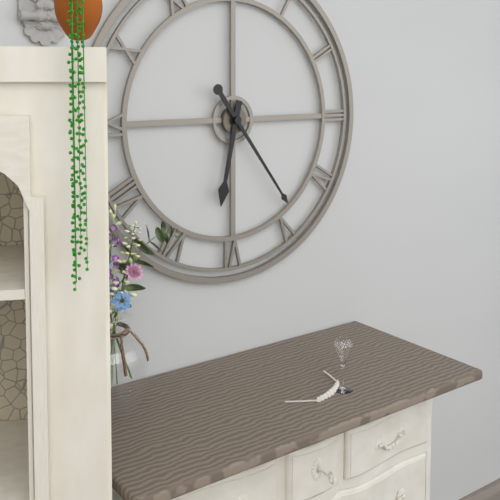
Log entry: 6:24
